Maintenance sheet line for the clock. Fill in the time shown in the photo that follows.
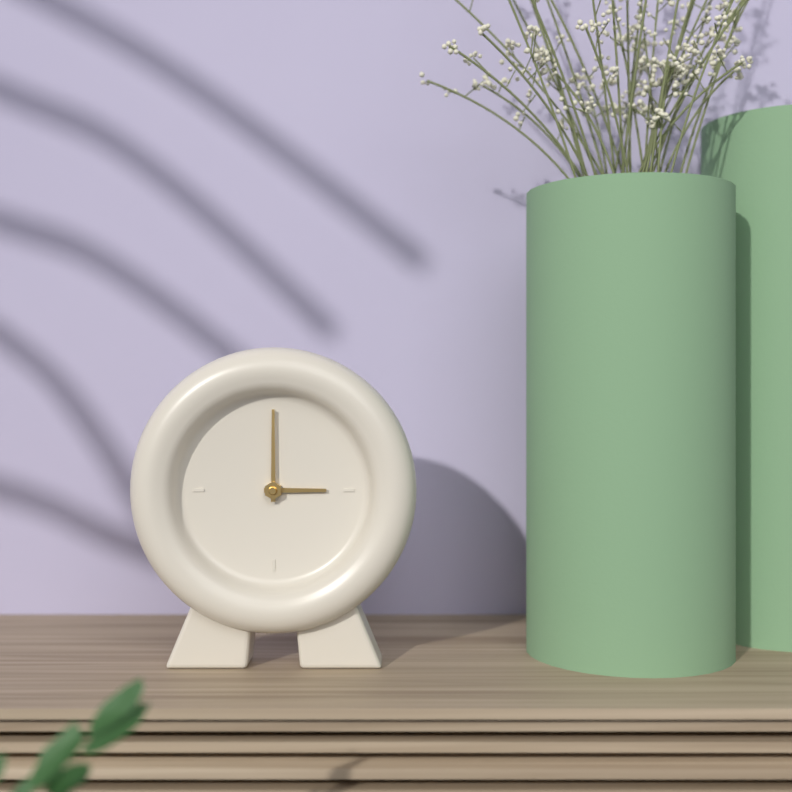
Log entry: 3:00
